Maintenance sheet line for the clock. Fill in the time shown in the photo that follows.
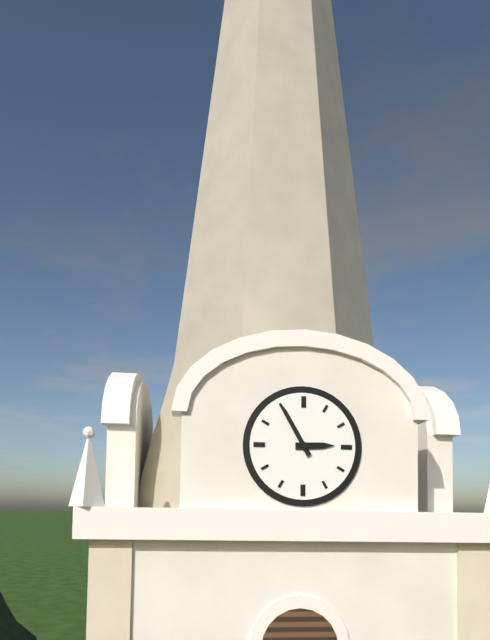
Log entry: 2:55
